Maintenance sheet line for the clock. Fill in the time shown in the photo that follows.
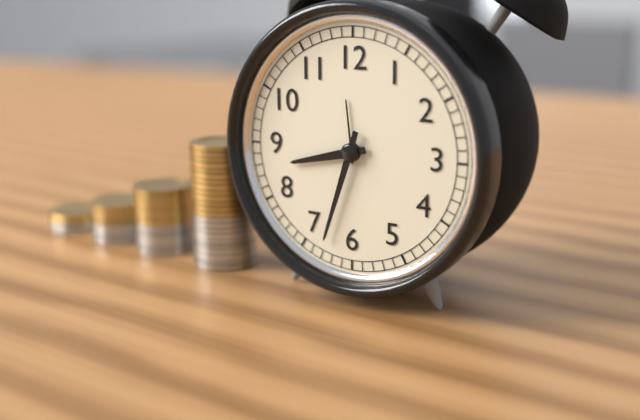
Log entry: 8:33
